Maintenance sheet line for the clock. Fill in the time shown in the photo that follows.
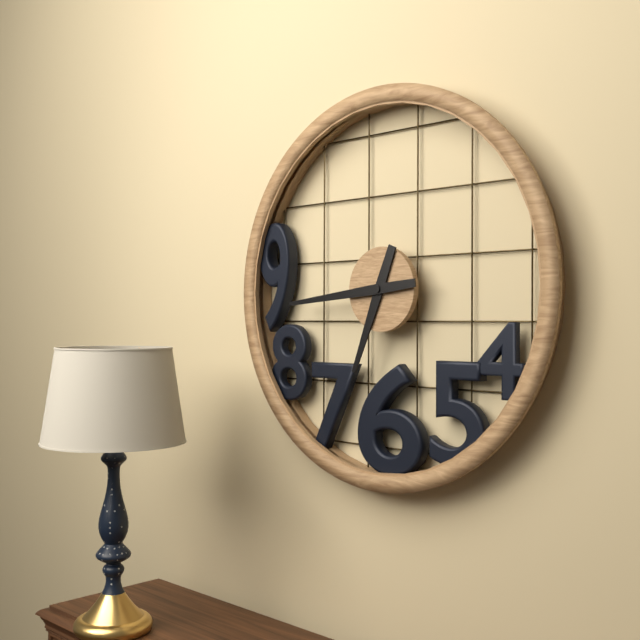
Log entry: 6:44
